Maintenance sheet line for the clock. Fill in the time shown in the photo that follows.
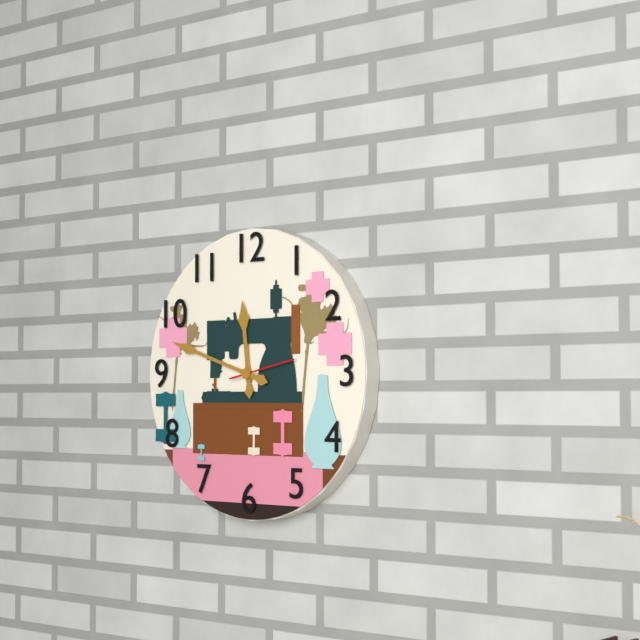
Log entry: 11:48:13
